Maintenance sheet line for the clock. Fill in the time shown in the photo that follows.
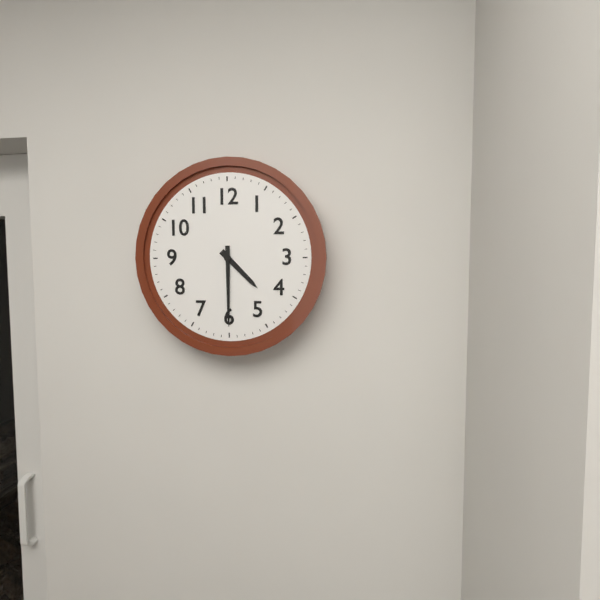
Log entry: 4:30
